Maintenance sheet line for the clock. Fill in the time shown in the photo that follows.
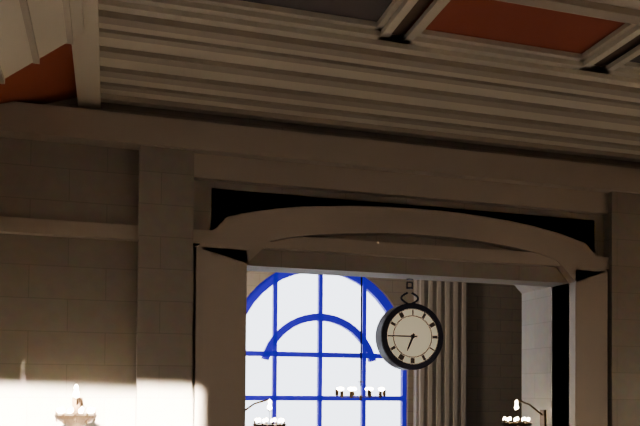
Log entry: 6:45
